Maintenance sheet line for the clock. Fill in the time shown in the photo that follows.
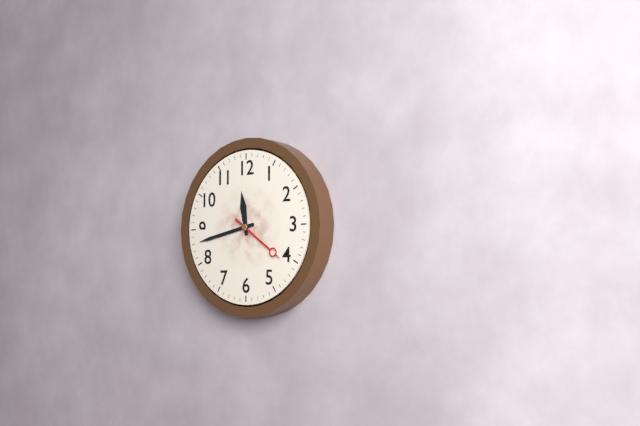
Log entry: 11:43:21
